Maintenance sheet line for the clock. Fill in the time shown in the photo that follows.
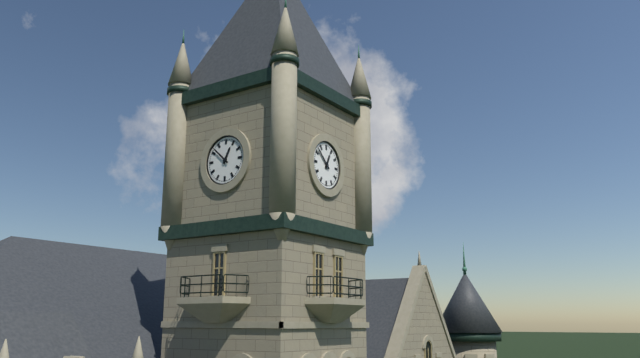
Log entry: 12:52
